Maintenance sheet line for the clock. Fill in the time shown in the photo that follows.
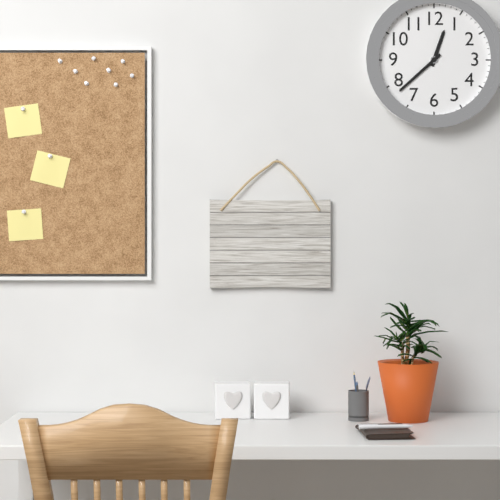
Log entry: 12:38
